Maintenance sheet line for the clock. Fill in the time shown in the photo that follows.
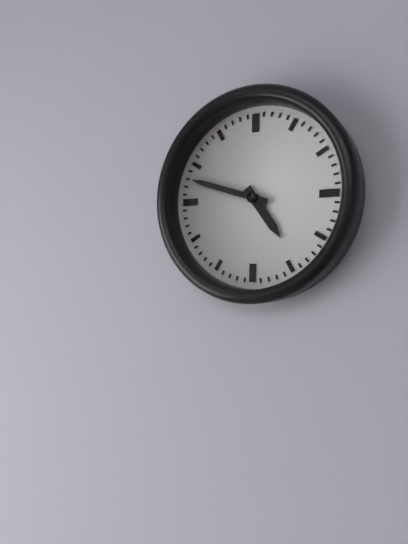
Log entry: 4:48
